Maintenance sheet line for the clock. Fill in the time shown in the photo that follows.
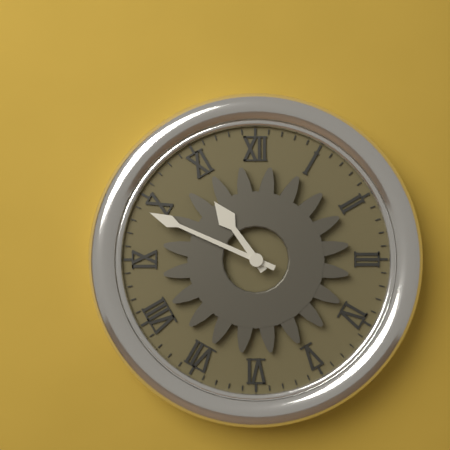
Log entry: 10:49
